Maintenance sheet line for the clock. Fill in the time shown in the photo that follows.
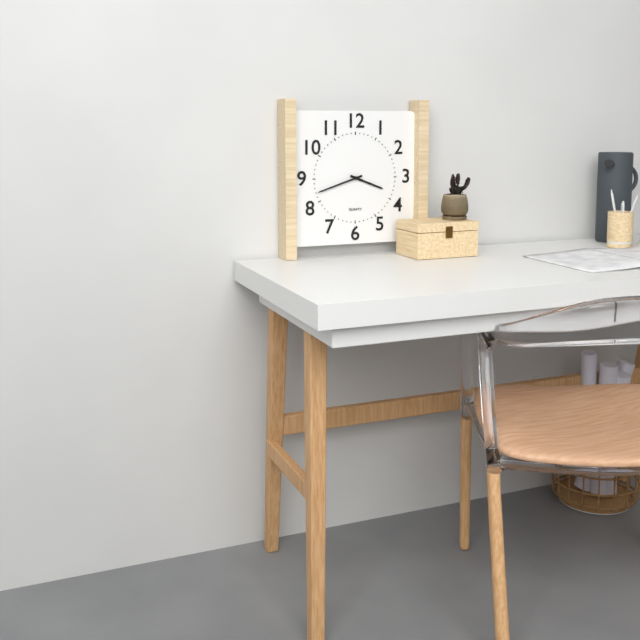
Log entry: 3:42
